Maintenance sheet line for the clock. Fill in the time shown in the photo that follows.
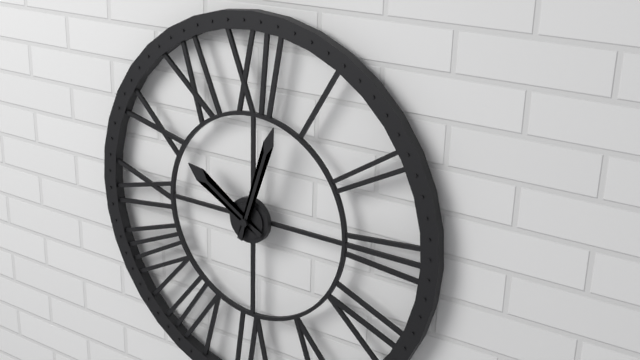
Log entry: 10:03
